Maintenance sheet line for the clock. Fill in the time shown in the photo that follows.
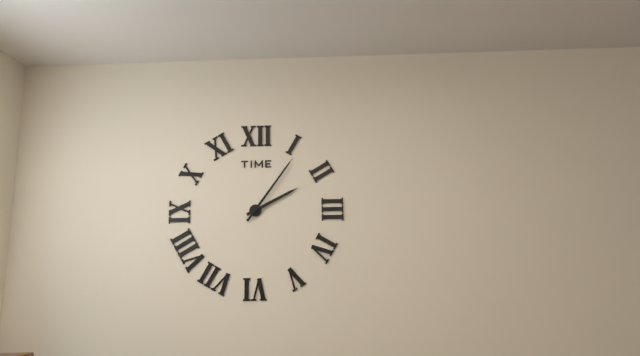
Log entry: 2:06
